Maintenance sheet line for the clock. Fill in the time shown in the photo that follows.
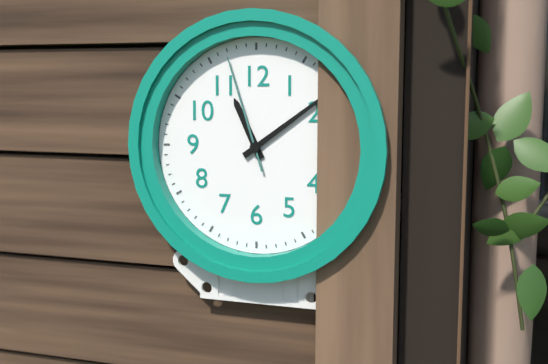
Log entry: 11:09:57
